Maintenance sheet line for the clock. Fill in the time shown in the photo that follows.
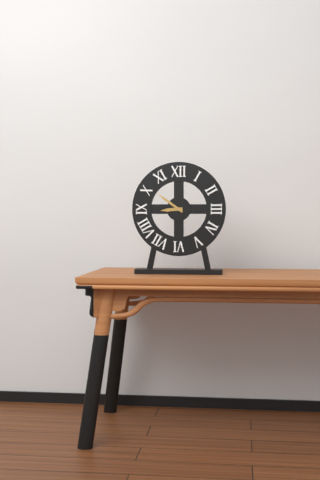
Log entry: 8:51
